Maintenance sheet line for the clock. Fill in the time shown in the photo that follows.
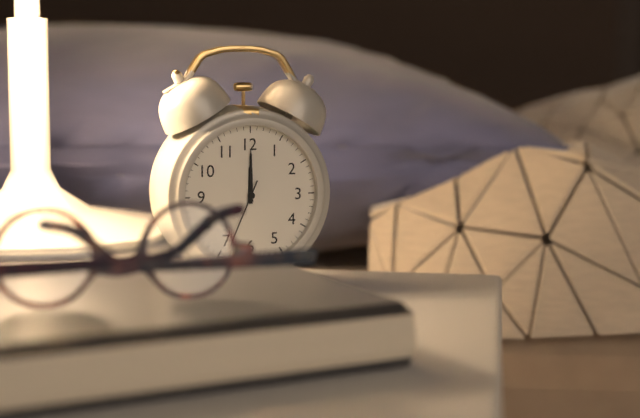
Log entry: 12:00:34
